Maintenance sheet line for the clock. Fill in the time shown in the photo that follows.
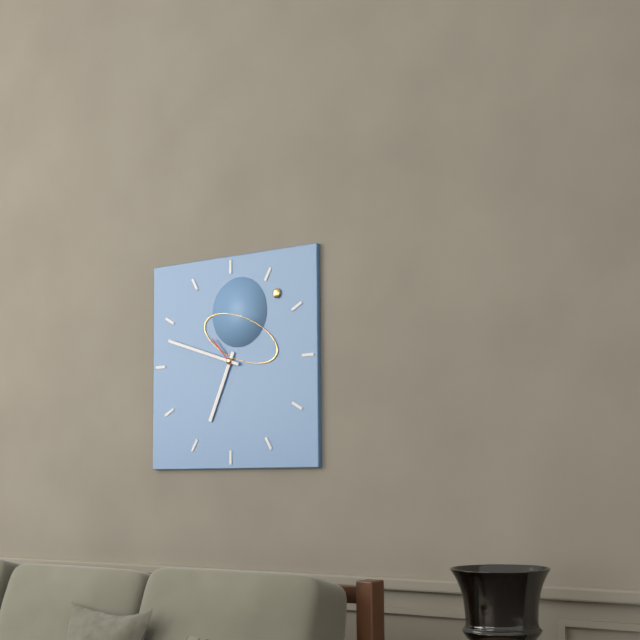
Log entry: 6:48
